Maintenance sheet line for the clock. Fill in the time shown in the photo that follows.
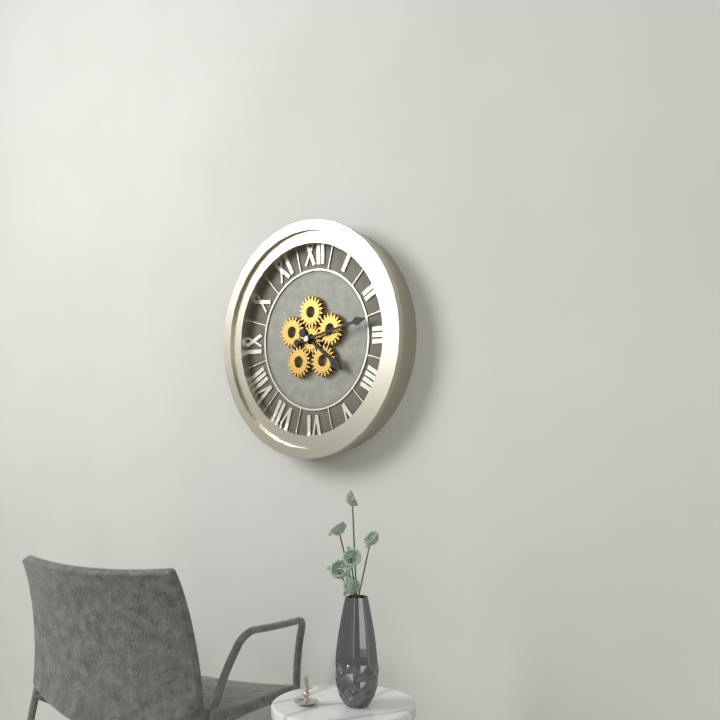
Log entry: 4:13
